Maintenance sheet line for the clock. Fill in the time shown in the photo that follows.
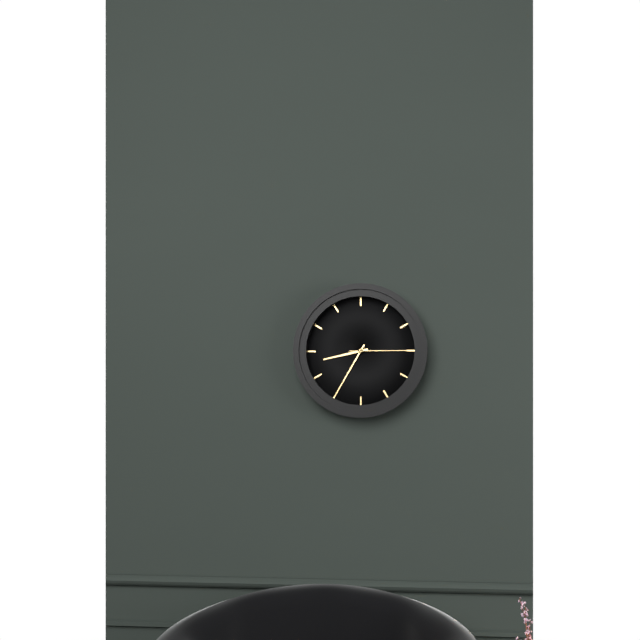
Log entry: 8:35:15
